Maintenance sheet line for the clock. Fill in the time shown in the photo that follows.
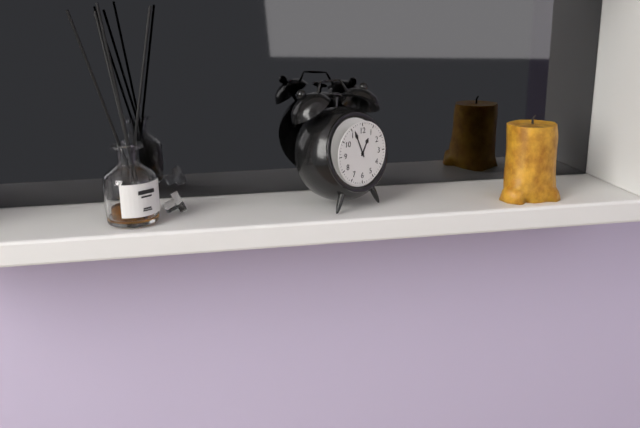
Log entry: 12:56
